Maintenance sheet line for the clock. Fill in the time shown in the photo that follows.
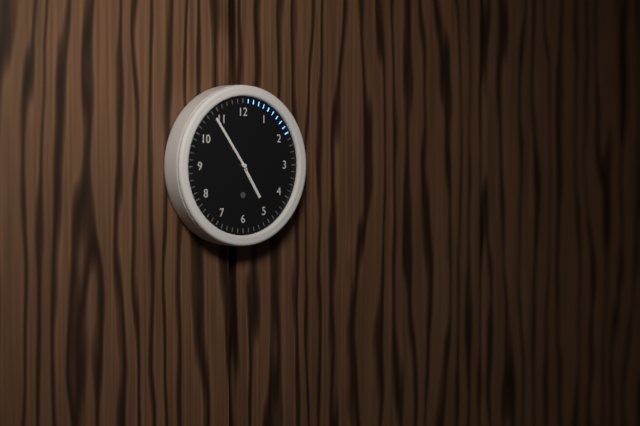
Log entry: 4:54
